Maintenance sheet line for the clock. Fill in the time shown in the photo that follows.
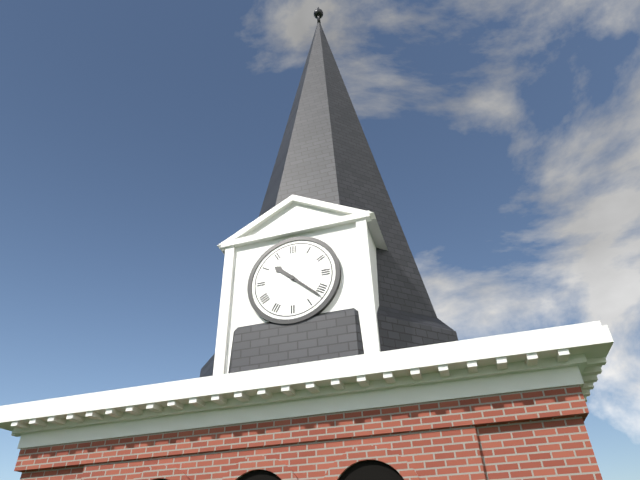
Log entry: 10:22
